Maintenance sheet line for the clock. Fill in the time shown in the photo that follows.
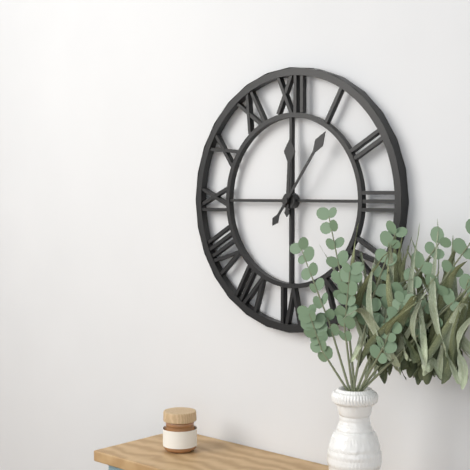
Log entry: 12:06
